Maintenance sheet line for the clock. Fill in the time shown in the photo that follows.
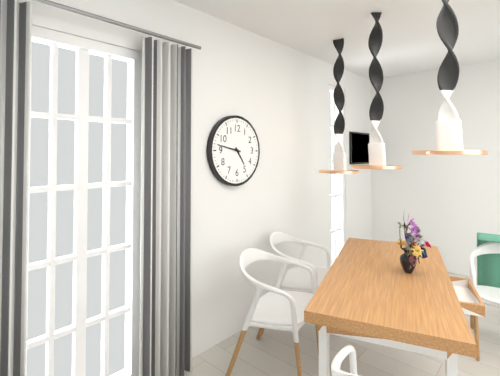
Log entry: 4:47
